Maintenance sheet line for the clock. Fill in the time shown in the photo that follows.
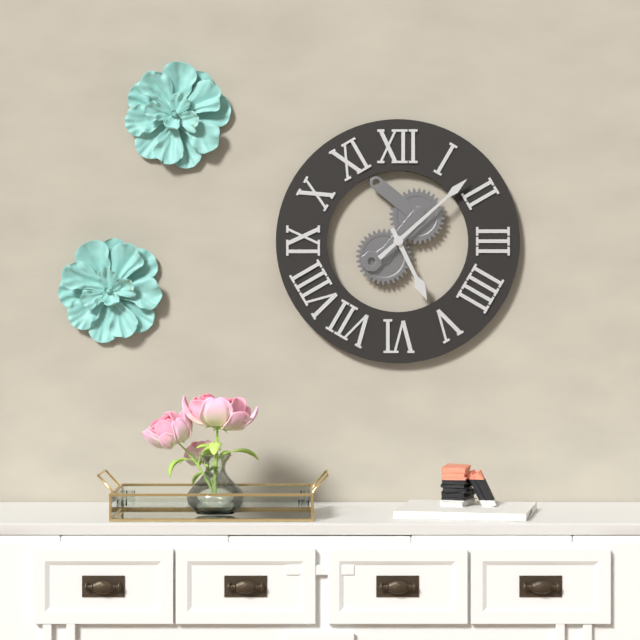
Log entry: 5:08
